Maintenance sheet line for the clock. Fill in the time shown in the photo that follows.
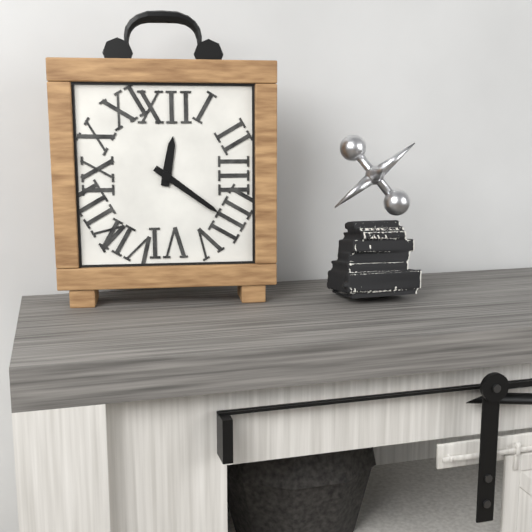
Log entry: 12:21
